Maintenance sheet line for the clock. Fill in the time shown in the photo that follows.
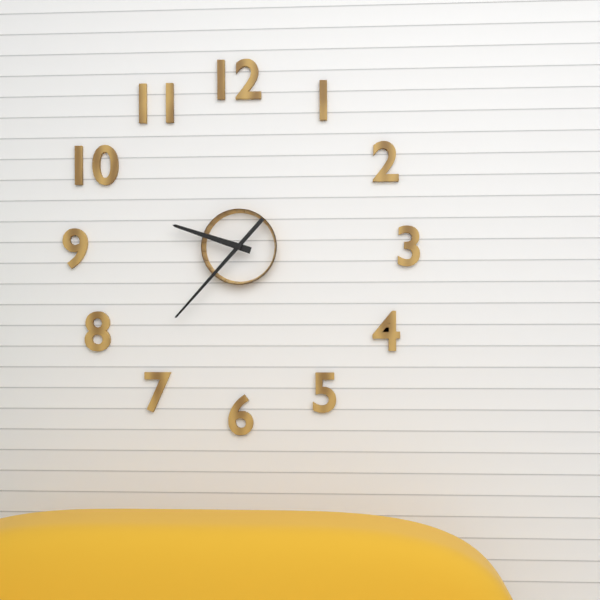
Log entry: 9:37
